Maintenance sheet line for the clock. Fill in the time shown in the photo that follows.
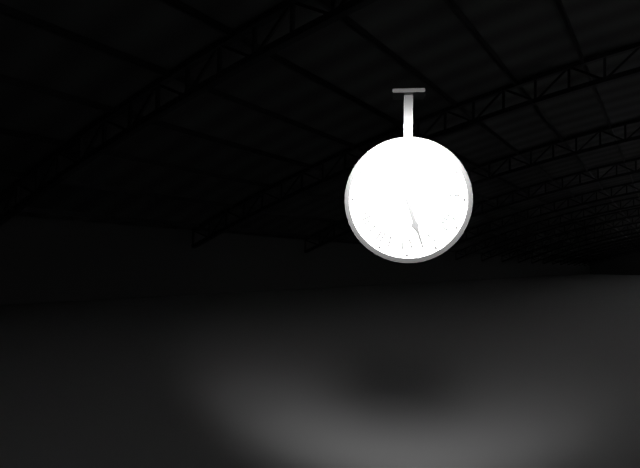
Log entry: 5:27
